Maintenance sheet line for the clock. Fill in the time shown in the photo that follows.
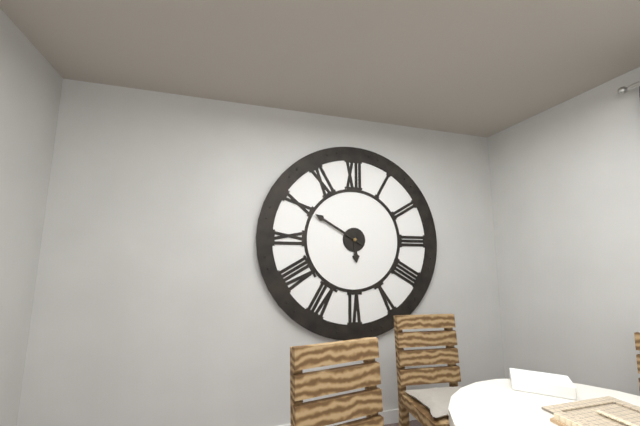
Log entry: 5:50
